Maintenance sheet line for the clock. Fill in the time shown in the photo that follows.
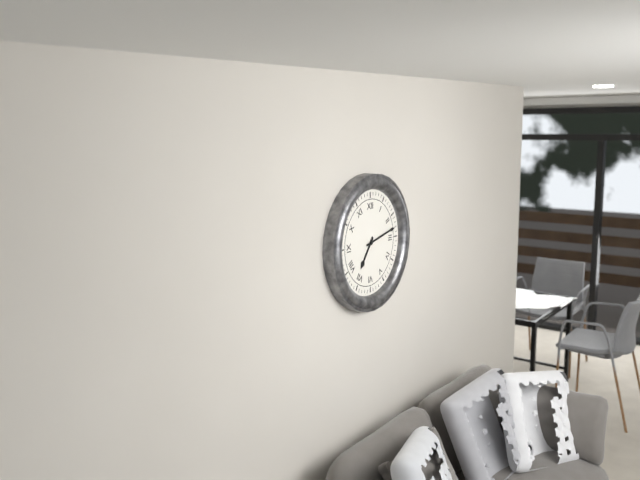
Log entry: 7:13
